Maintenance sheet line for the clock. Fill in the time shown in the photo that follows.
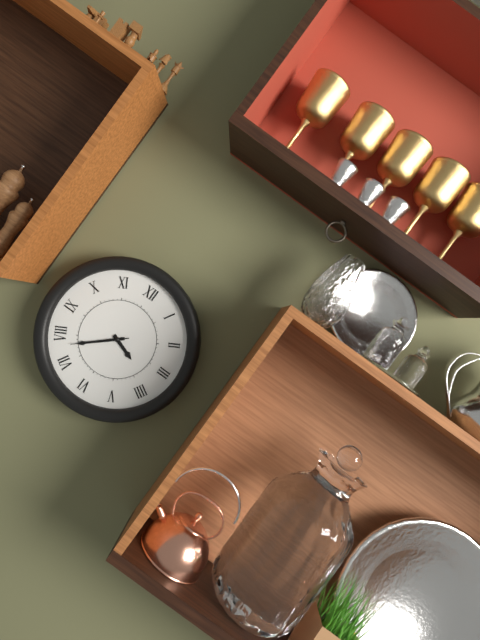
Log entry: 3:38:38
